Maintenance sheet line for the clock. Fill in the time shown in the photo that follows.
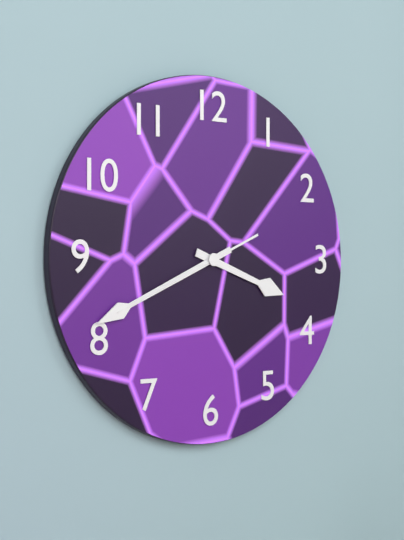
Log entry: 3:41:41
